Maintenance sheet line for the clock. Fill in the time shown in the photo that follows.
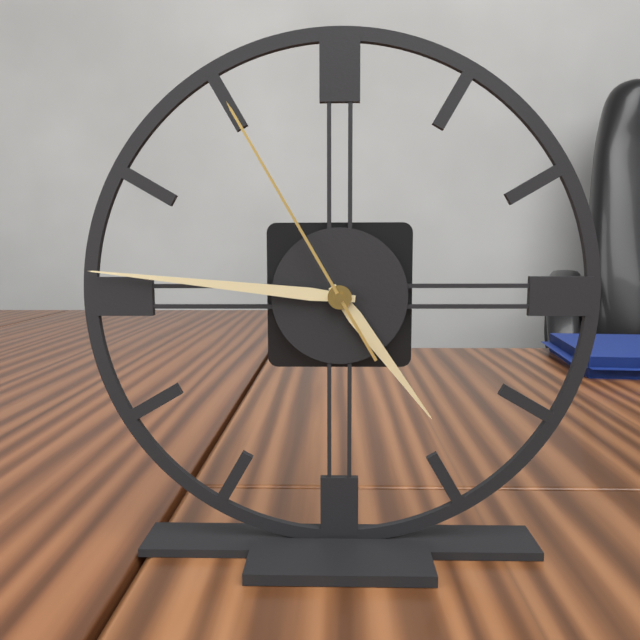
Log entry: 4:46:55
